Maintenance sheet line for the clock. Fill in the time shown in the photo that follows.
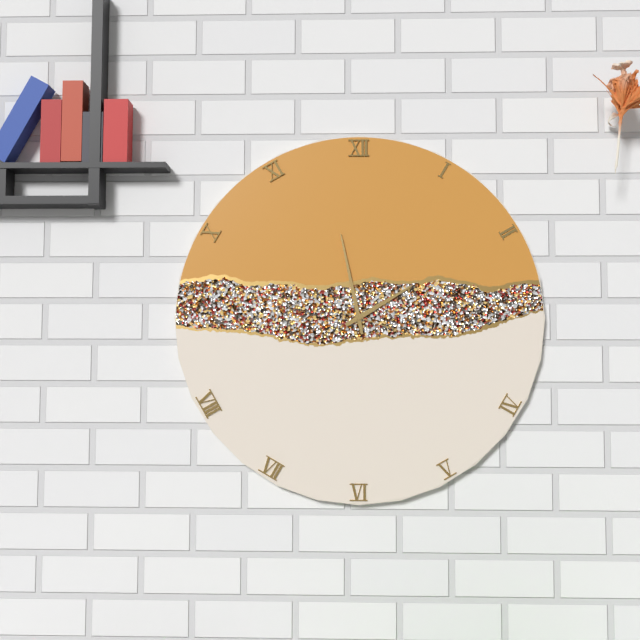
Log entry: 1:58:18
